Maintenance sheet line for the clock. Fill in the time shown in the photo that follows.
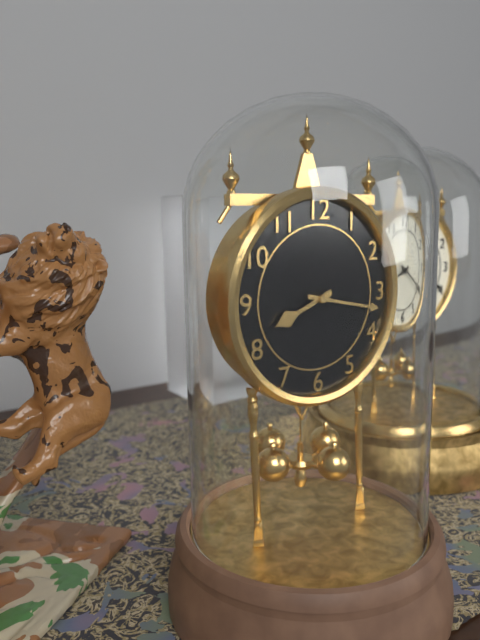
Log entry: 8:17
